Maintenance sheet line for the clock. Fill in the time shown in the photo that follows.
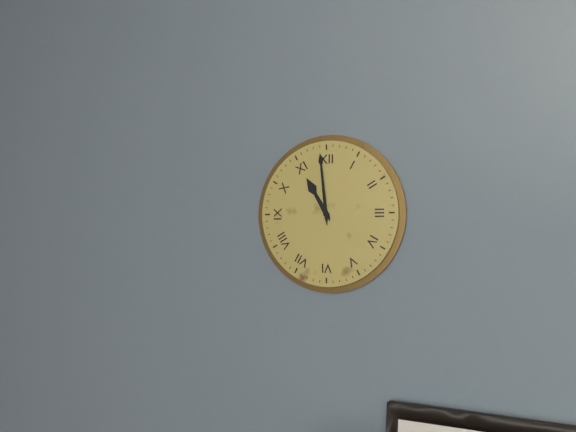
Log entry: 10:59
